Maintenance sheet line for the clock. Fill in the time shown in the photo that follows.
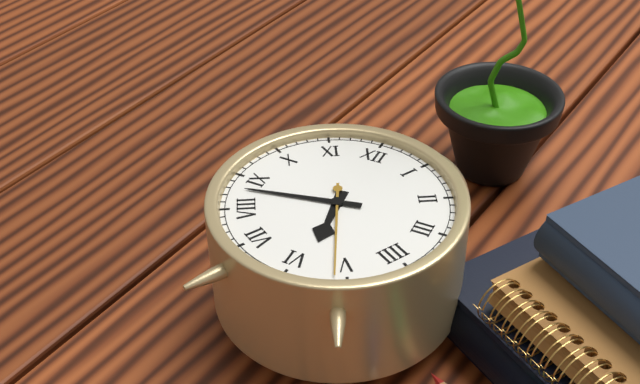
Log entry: 5:43:26
